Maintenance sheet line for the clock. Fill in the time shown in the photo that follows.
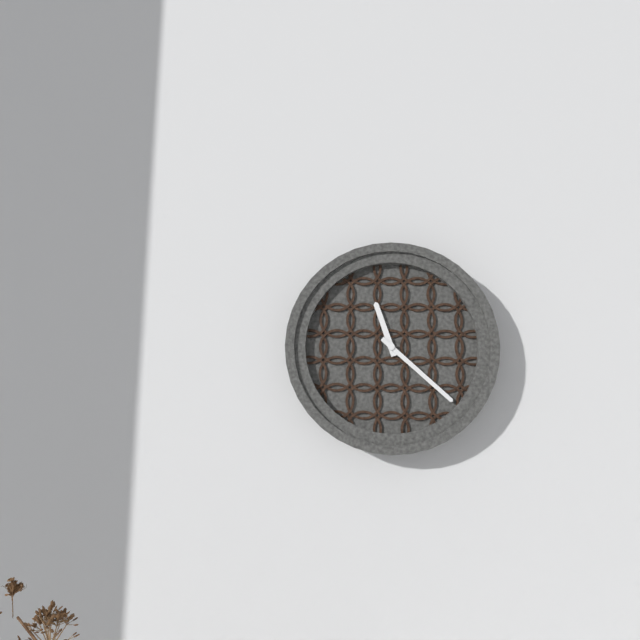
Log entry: 11:22
